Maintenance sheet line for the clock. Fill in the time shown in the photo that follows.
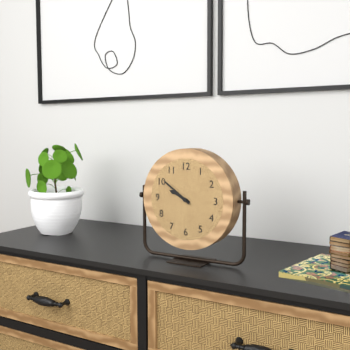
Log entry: 9:51
